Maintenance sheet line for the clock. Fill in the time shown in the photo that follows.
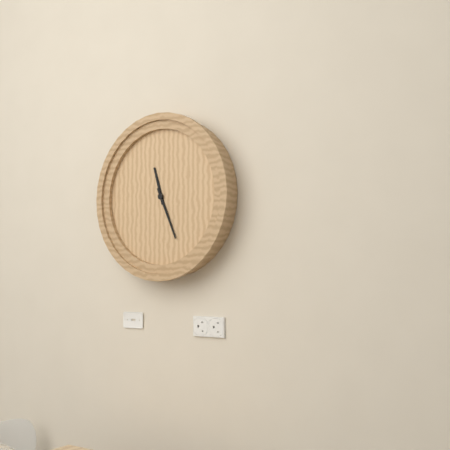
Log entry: 11:26
